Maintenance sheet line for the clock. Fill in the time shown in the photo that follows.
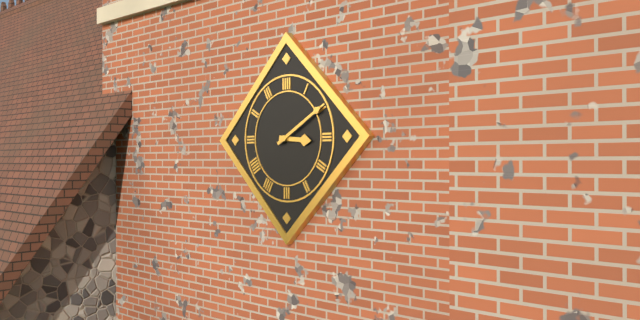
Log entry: 3:10
